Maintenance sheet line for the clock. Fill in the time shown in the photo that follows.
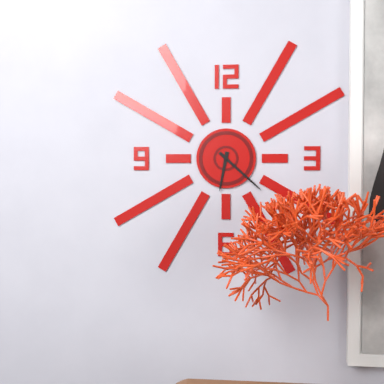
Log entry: 6:22
